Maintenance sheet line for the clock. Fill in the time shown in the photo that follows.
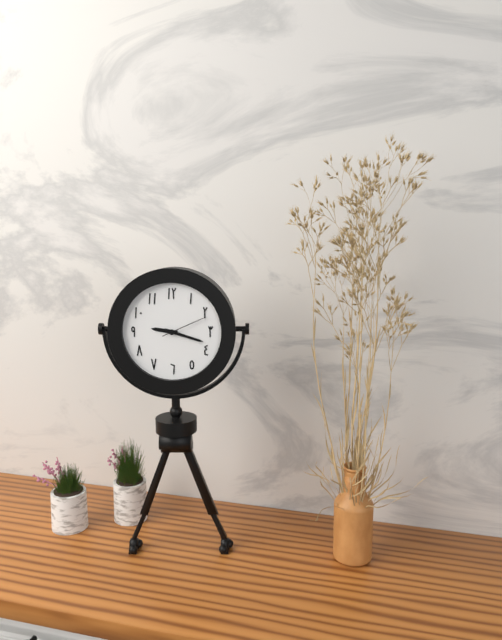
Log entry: 9:18
